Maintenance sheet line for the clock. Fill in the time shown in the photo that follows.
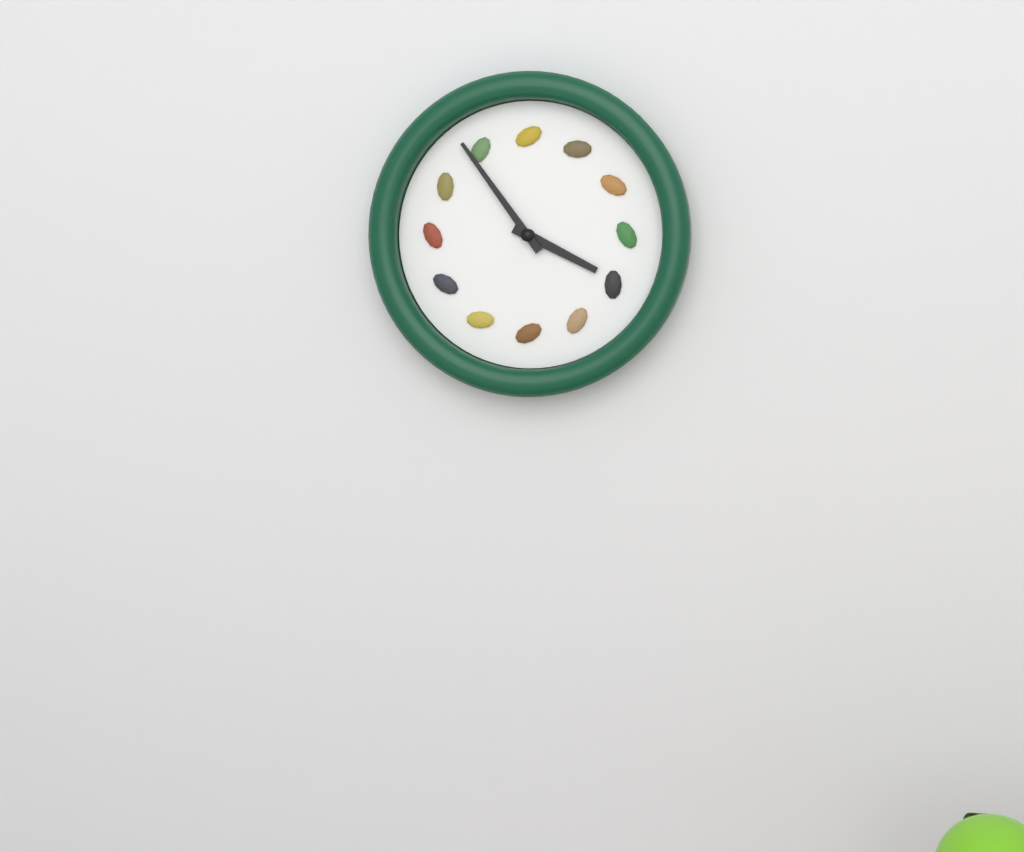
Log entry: 3:54
